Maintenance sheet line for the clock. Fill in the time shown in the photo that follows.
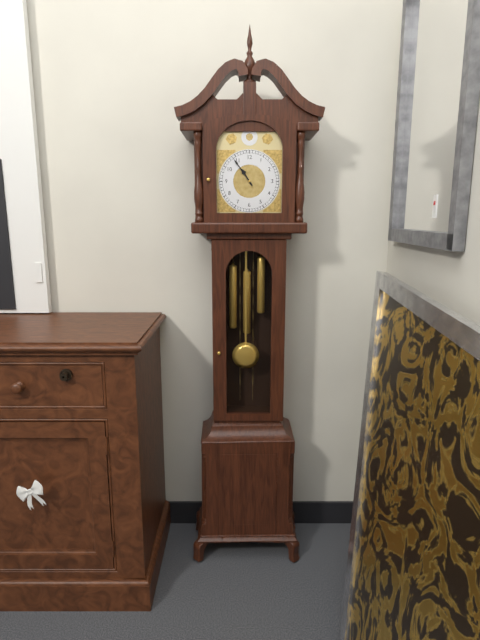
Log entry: 10:54
